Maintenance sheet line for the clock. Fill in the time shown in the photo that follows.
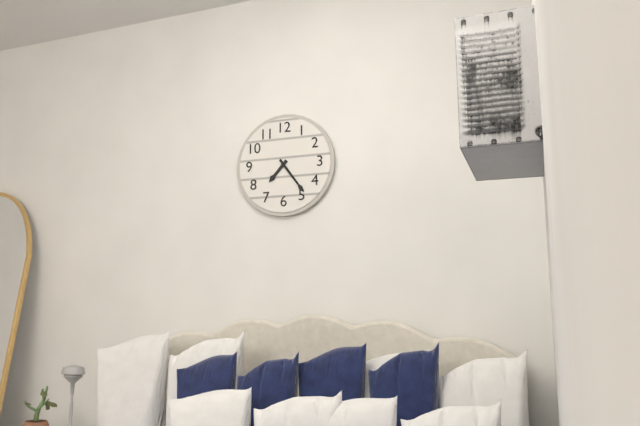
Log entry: 7:24
